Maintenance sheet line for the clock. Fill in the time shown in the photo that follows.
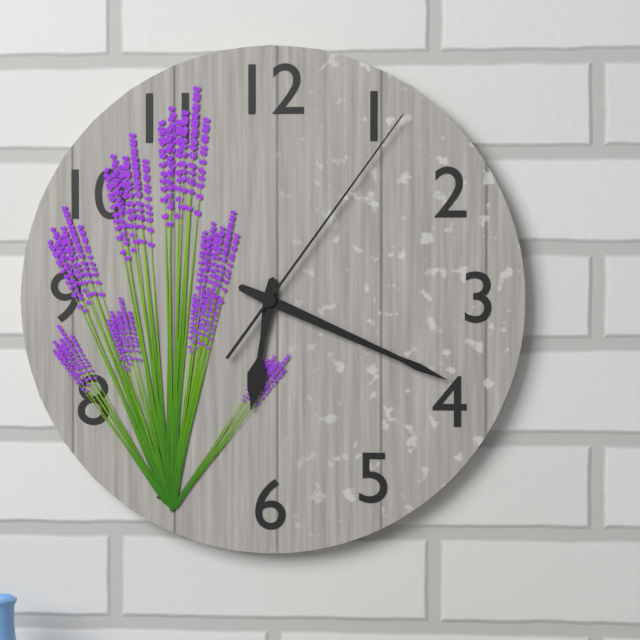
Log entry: 6:19:06
